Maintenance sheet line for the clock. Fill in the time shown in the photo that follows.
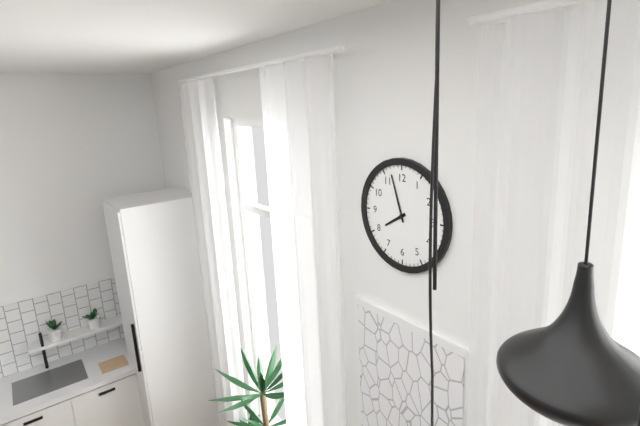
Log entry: 7:57
